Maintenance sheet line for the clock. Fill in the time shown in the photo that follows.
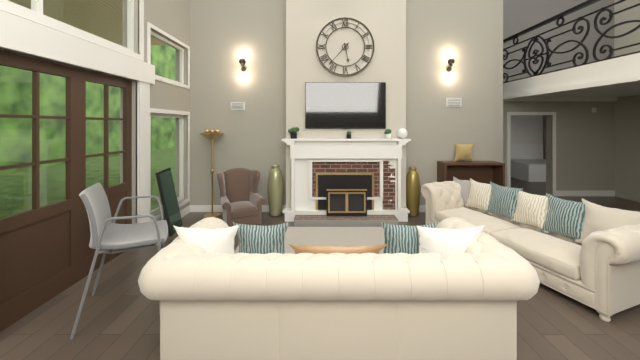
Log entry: 5:37
